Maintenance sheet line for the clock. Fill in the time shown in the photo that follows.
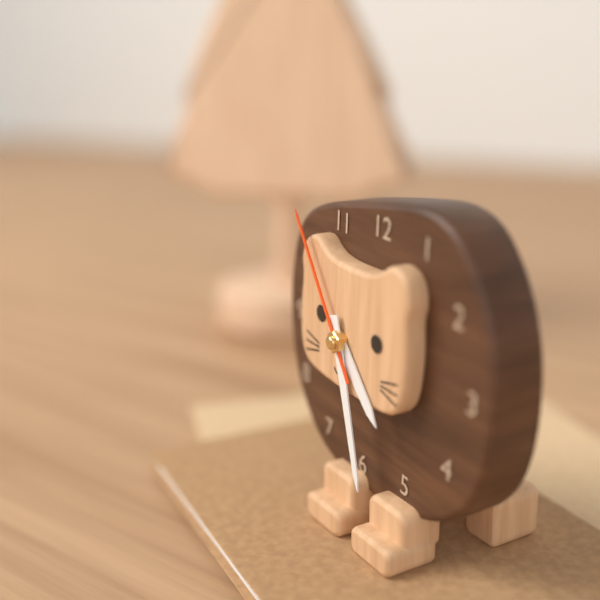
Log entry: 4:27:54
